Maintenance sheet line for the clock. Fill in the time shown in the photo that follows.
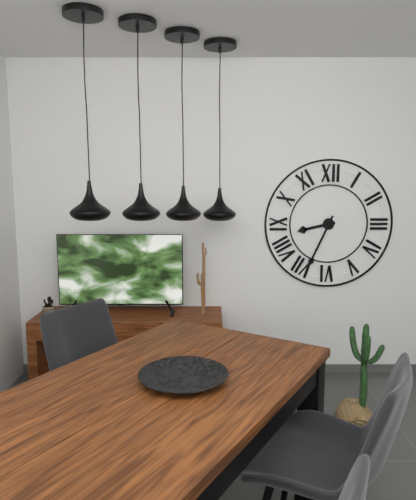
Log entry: 8:34
